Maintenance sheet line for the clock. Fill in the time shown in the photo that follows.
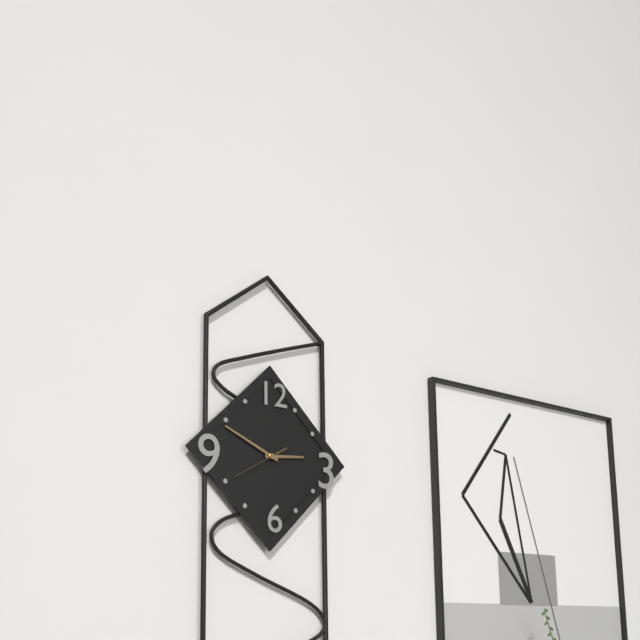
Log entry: 2:49
